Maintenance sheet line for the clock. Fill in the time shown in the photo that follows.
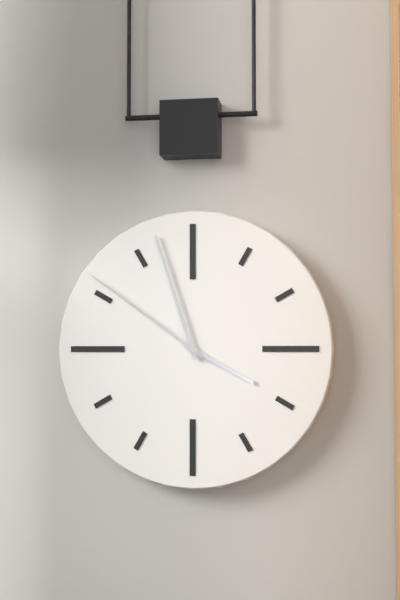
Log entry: 3:57:51
